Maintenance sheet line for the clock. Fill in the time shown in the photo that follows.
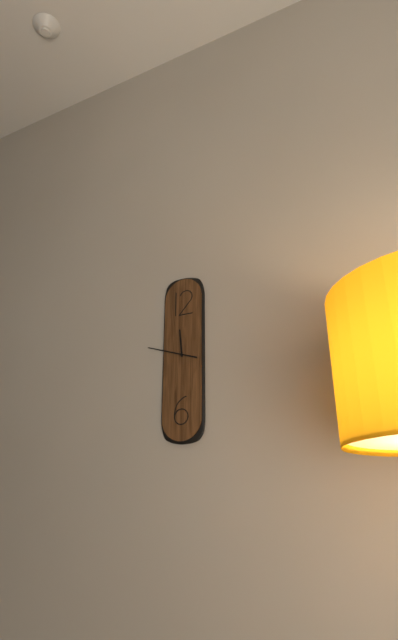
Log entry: 11:48
